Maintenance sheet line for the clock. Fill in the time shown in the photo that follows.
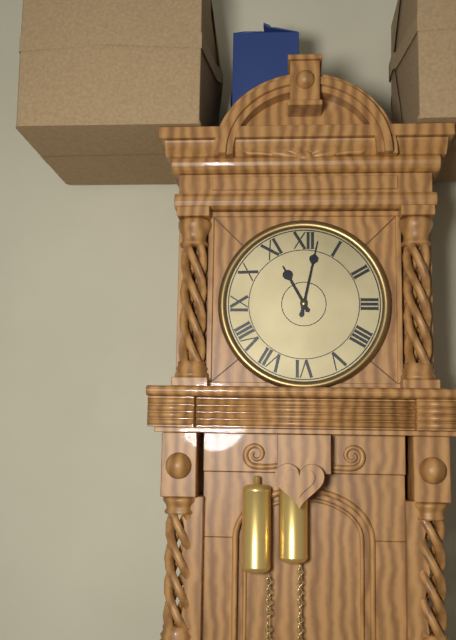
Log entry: 11:02
